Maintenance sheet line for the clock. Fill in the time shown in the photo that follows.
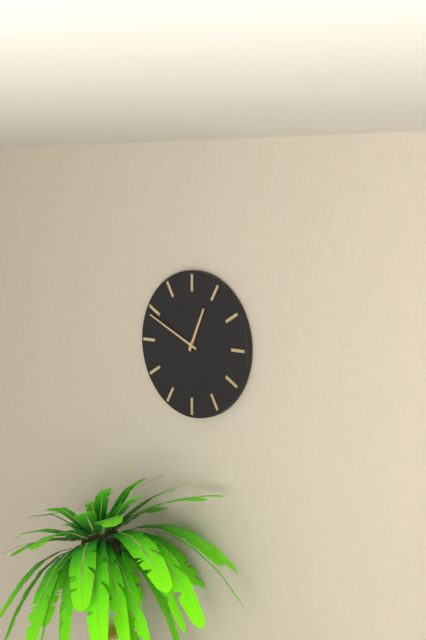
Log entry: 12:49
